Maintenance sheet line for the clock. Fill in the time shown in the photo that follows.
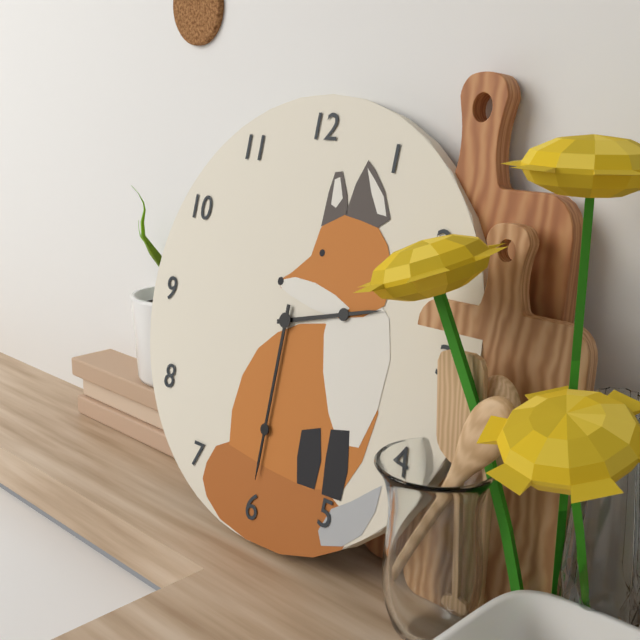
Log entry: 2:30
